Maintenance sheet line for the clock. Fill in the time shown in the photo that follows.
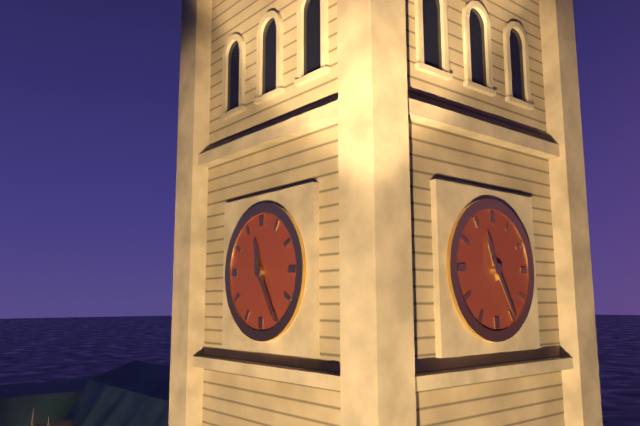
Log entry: 11:25
